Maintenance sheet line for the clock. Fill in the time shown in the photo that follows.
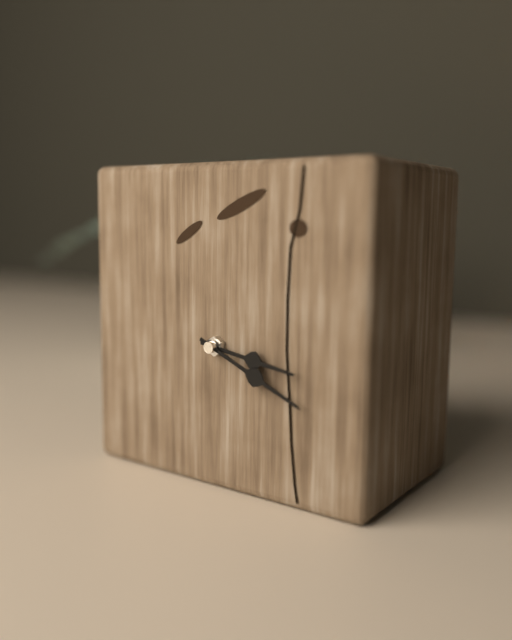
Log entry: 3:19
